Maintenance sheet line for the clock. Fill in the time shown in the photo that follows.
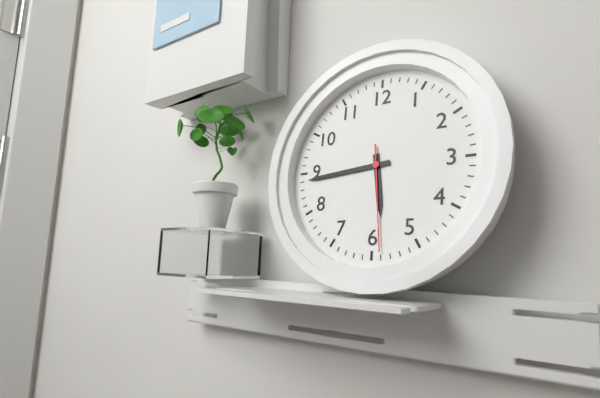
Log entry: 5:44:29
